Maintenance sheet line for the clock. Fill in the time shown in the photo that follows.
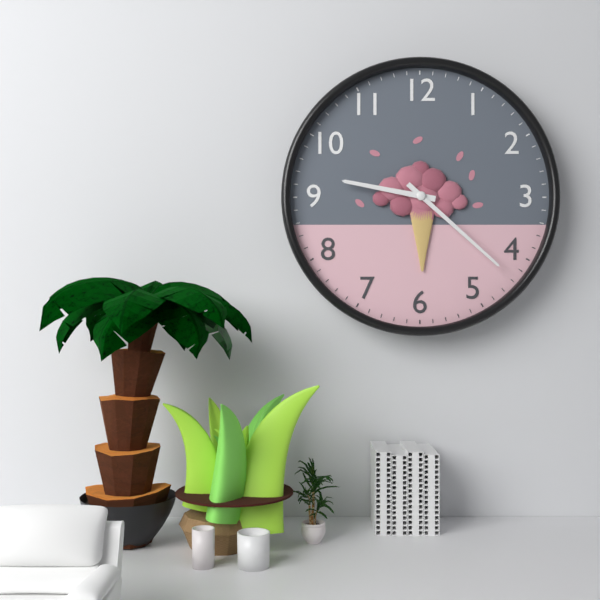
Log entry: 9:22
